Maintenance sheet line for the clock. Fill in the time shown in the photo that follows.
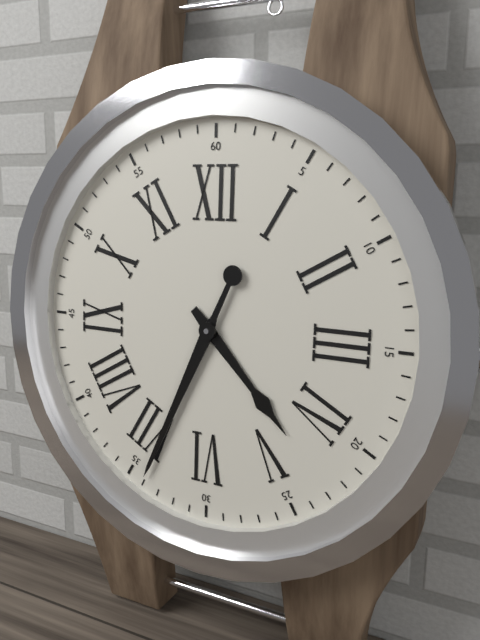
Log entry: 4:34
